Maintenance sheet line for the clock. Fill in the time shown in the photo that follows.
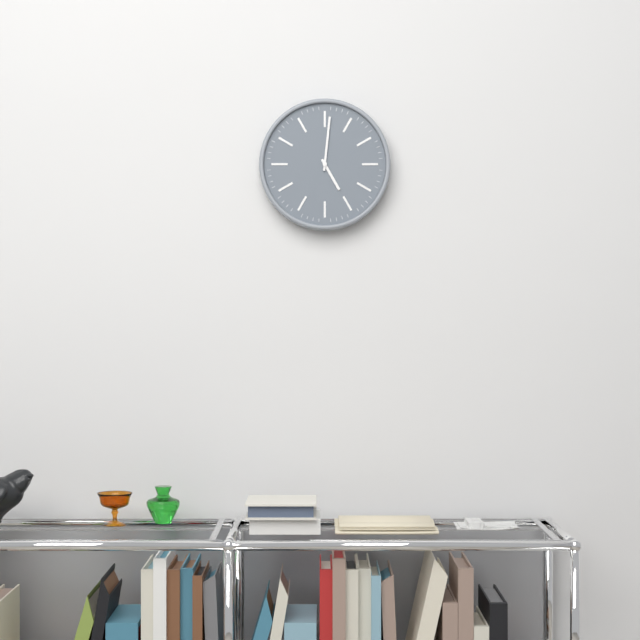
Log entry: 5:01
